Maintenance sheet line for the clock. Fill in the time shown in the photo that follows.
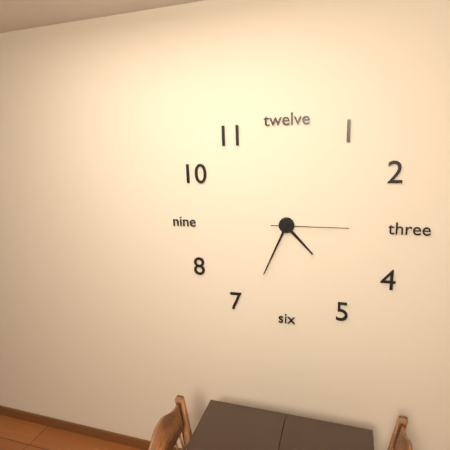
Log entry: 4:34:15
